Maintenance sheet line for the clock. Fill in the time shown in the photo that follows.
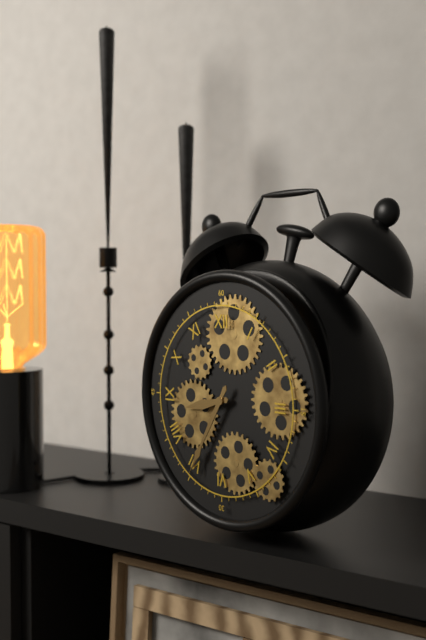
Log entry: 8:35
